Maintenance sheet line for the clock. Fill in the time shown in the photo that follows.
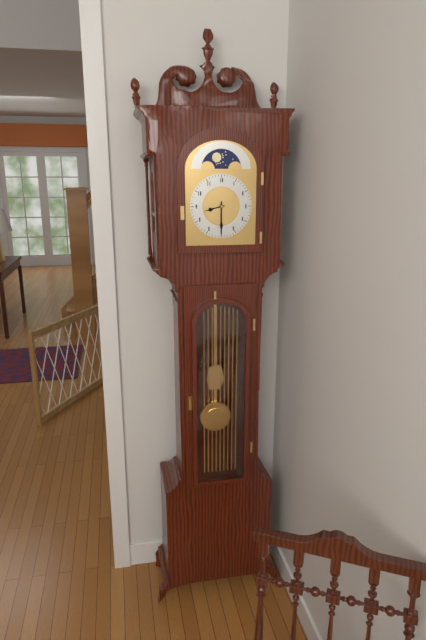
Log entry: 8:30
